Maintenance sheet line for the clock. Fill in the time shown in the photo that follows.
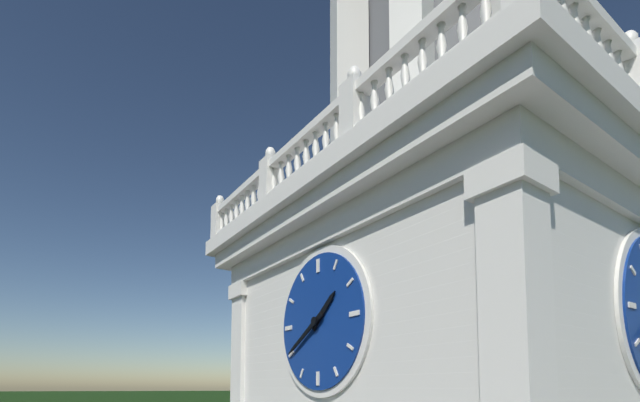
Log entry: 1:40
